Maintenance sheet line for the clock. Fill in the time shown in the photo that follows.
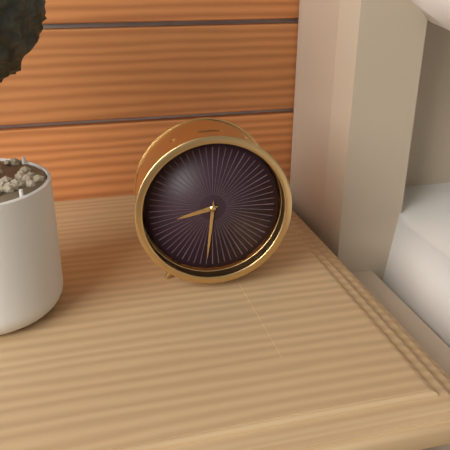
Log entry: 8:31
